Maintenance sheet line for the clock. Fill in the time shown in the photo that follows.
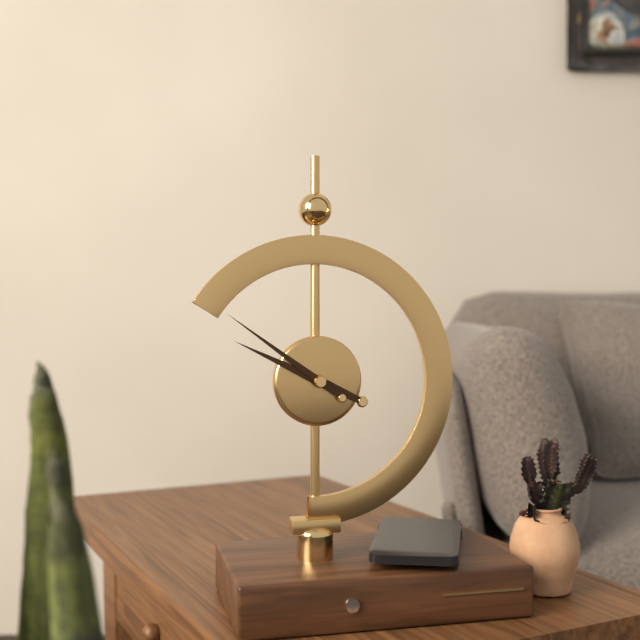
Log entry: 9:51
